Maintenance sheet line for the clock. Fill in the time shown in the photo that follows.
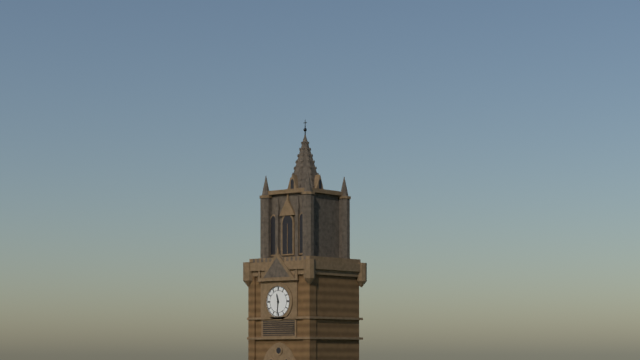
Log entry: 11:31
